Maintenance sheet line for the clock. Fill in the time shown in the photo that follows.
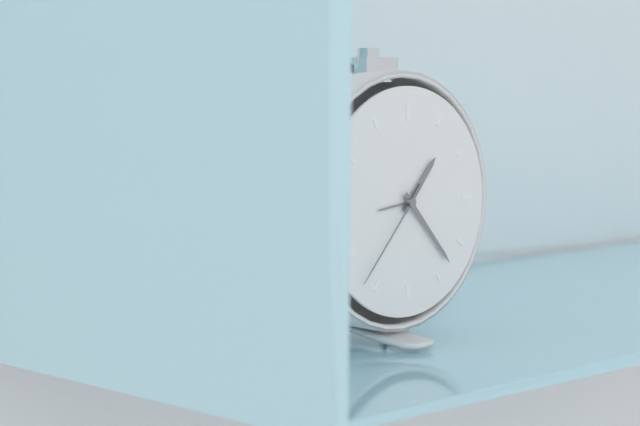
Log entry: 1:23:37
